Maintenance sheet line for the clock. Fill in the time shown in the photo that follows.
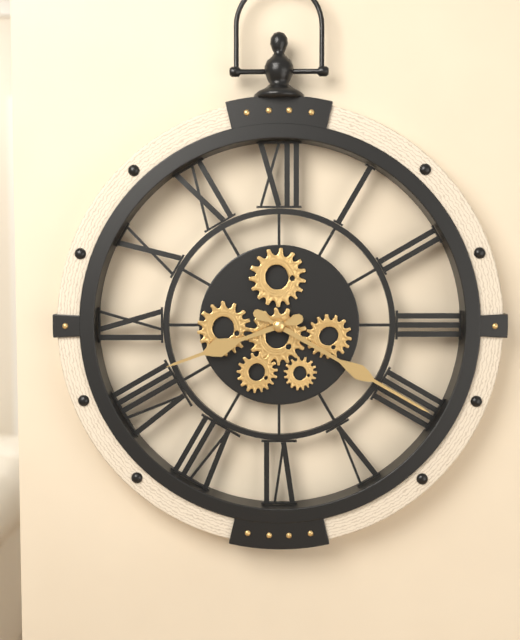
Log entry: 8:20
